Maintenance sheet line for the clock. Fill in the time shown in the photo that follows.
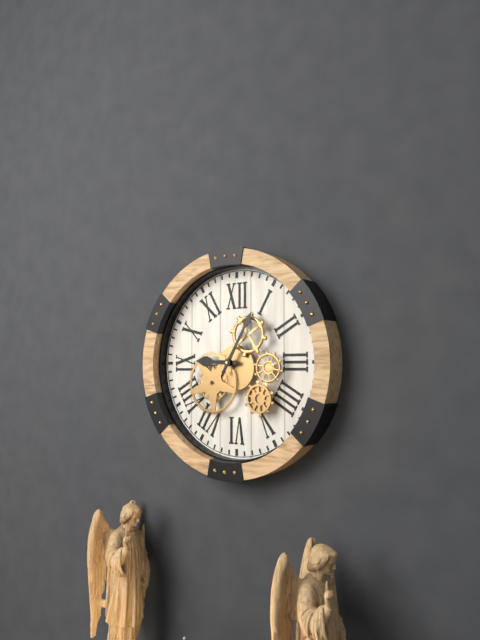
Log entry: 9:05
